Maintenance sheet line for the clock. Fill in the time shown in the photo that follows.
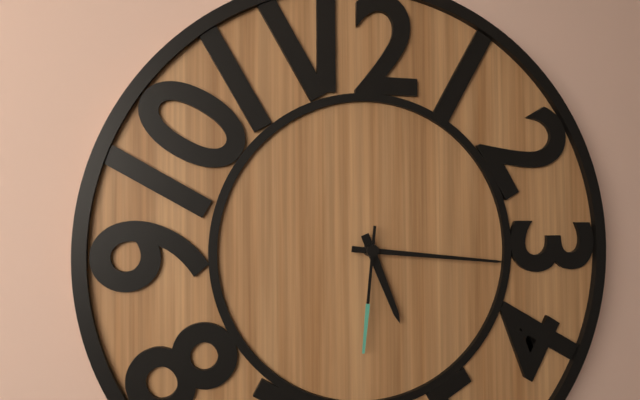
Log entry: 5:16:31
